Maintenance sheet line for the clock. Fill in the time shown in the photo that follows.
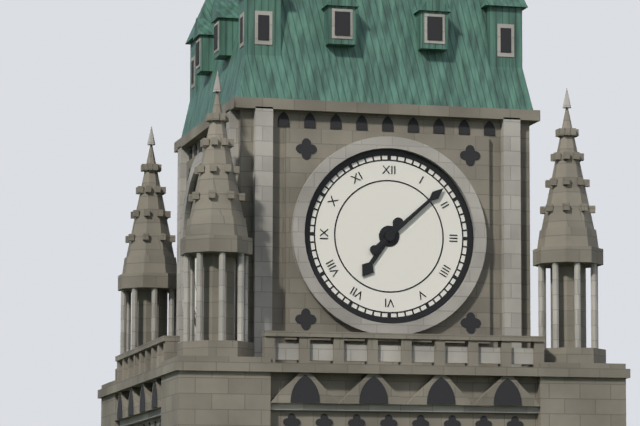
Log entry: 7:08
